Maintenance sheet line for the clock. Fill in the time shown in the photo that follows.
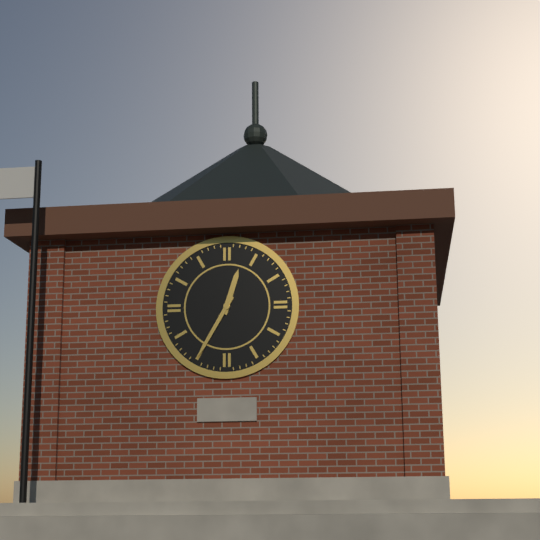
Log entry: 12:35
